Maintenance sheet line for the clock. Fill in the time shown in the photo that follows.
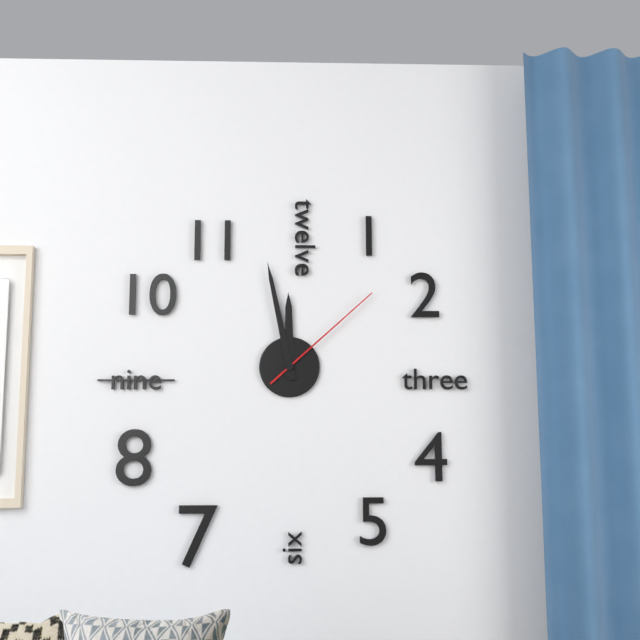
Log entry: 11:58:08
